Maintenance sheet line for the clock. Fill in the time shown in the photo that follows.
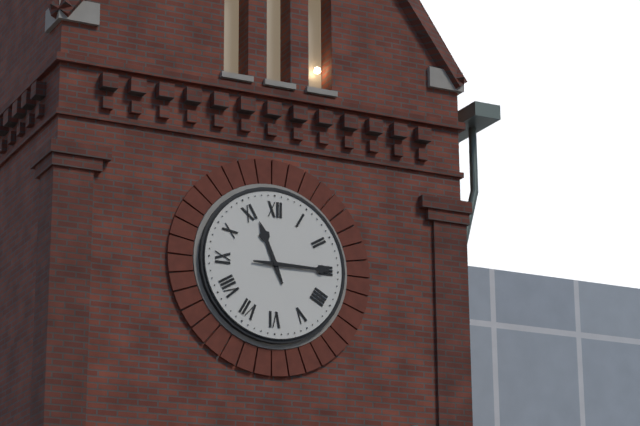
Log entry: 11:15
